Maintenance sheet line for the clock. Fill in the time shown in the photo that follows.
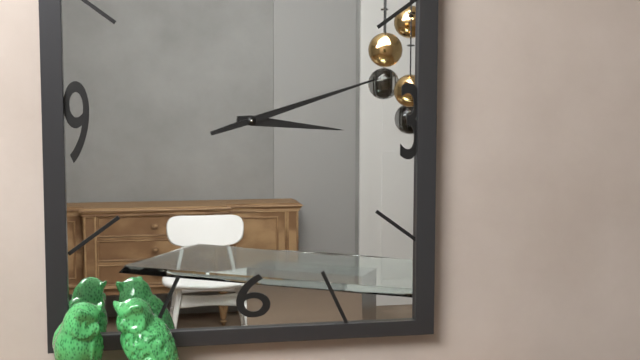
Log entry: 3:12
